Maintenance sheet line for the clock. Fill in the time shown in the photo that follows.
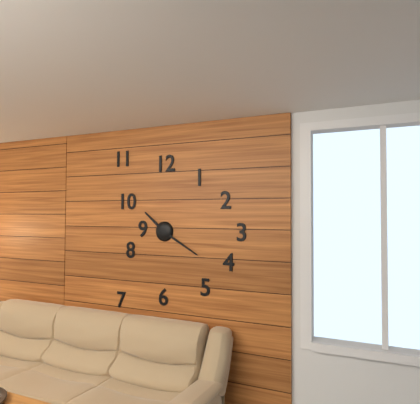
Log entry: 10:20
